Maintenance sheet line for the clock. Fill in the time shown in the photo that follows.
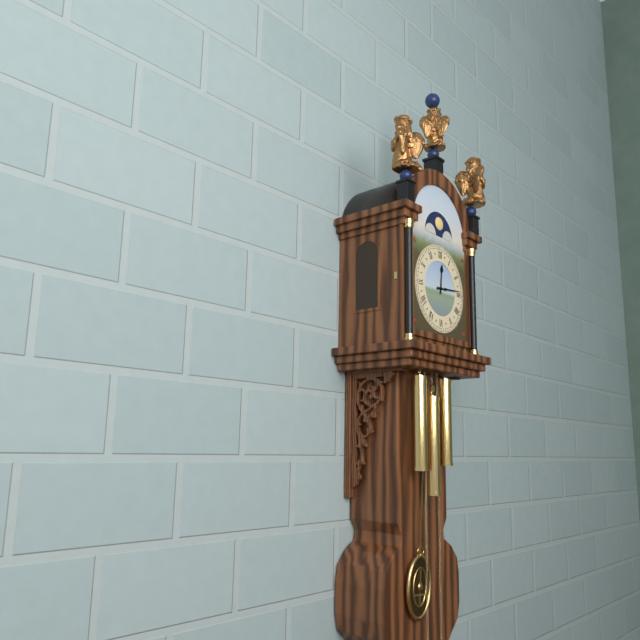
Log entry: 12:14
